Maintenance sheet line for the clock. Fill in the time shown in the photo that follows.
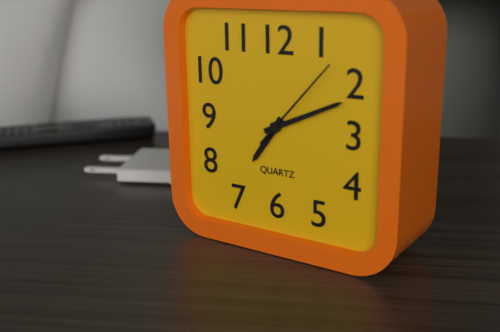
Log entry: 7:11:07
